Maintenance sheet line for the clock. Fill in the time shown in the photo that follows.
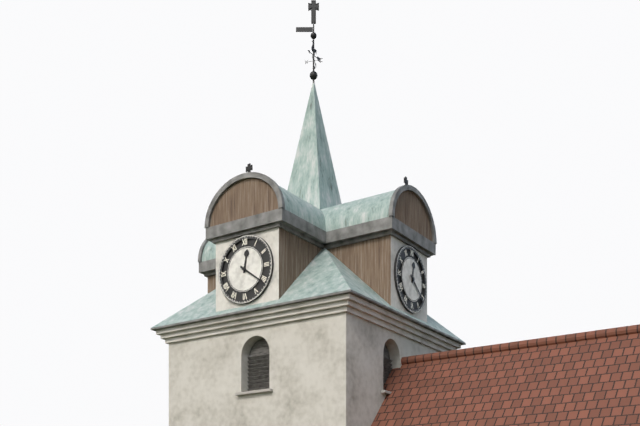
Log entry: 12:21
